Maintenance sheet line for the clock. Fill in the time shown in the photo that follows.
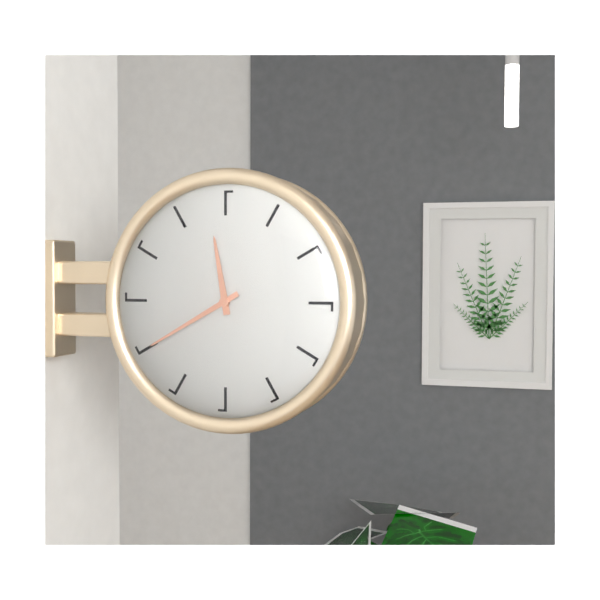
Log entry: 11:40
